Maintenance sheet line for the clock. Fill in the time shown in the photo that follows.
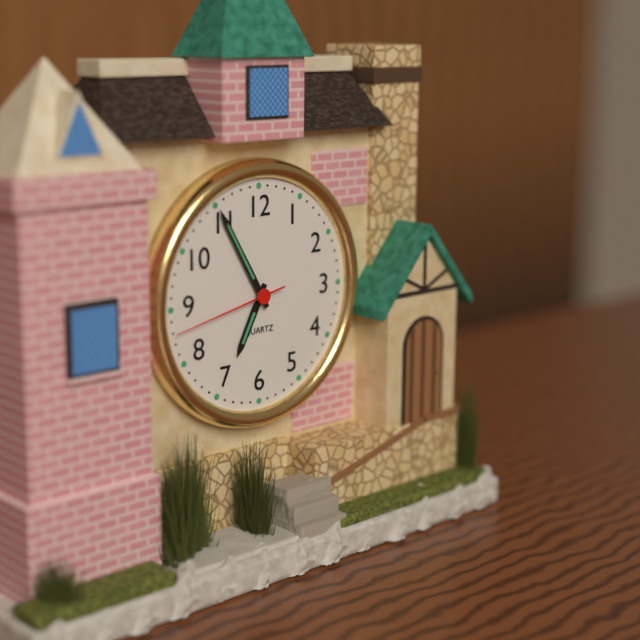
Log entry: 6:55:43
